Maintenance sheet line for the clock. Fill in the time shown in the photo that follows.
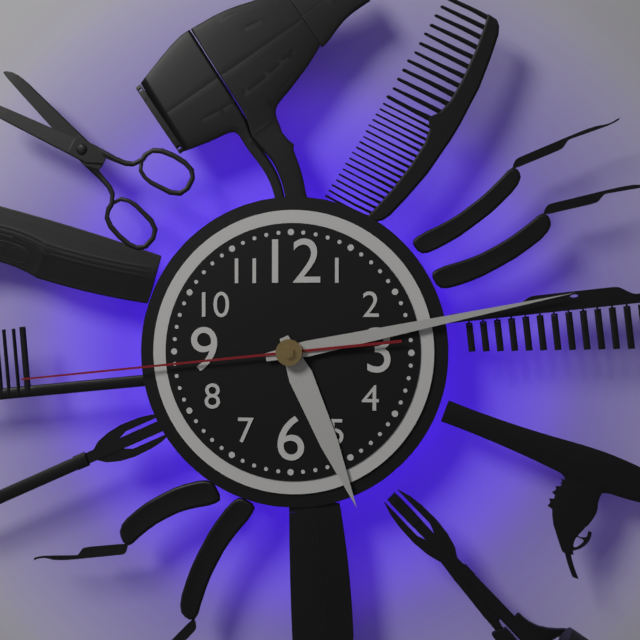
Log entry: 5:13:44
